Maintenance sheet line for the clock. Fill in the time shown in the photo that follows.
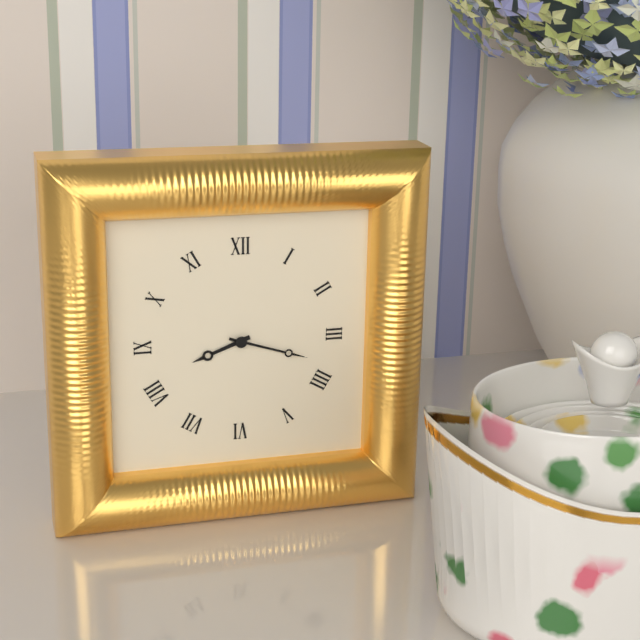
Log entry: 8:18
